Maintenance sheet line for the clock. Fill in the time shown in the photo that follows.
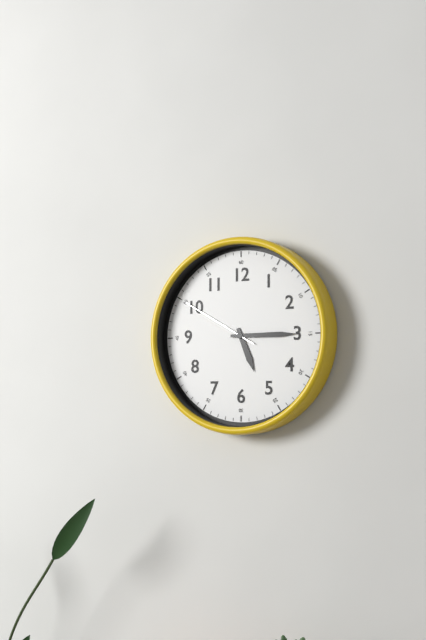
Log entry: 5:15:50
